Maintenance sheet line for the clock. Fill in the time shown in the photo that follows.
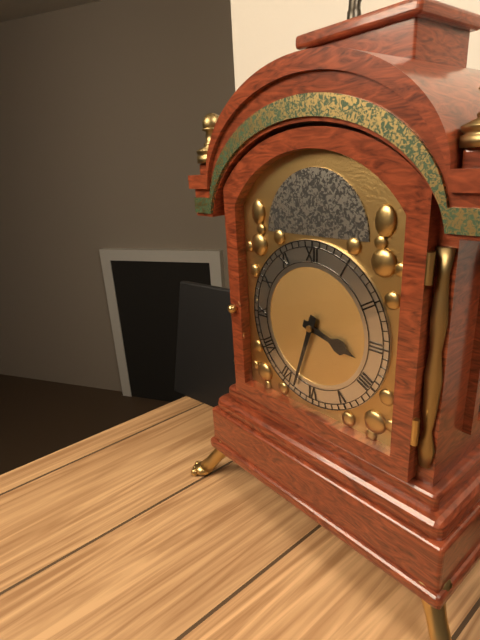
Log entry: 3:33
